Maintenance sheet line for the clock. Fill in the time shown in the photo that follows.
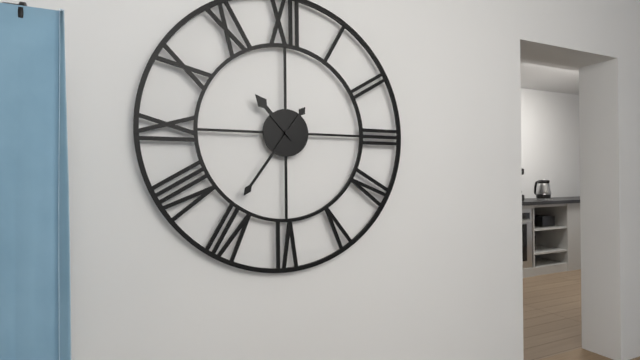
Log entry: 10:36
